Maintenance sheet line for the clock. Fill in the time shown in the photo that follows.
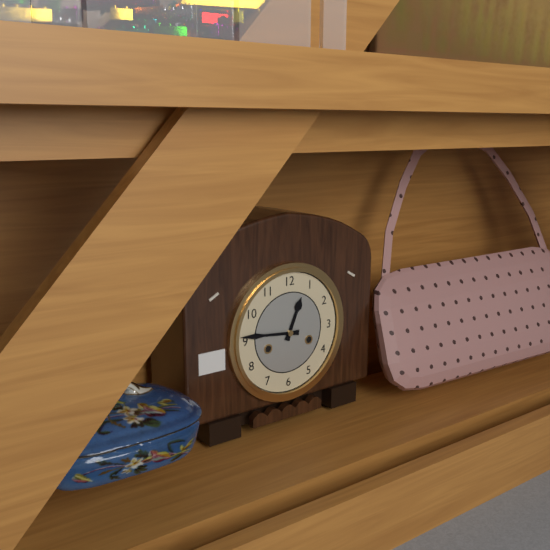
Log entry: 12:46
